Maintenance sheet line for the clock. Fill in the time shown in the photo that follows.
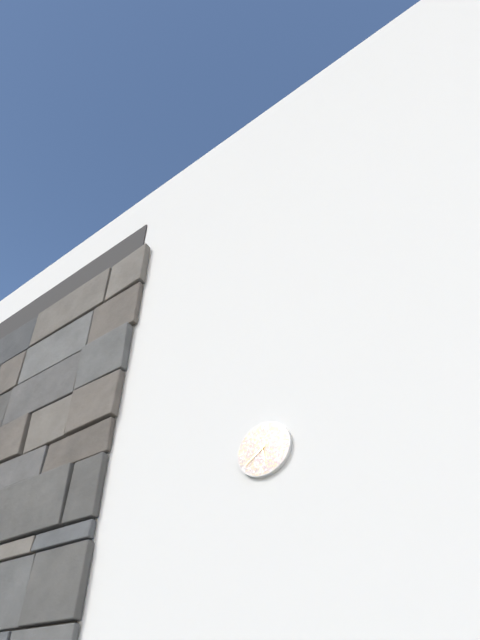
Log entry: 5:39
